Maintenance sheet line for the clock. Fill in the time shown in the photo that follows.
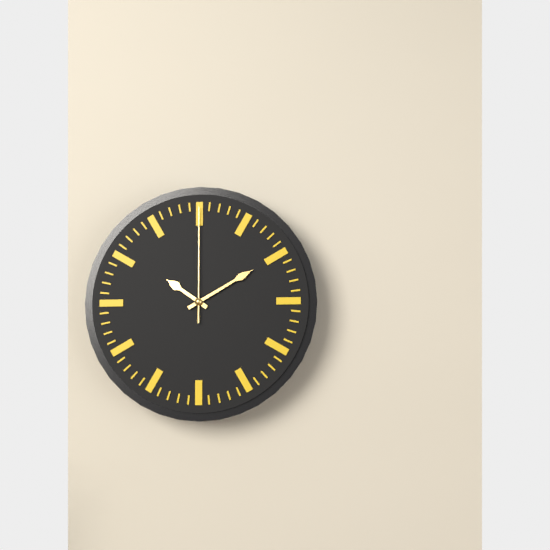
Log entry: 10:10:00
